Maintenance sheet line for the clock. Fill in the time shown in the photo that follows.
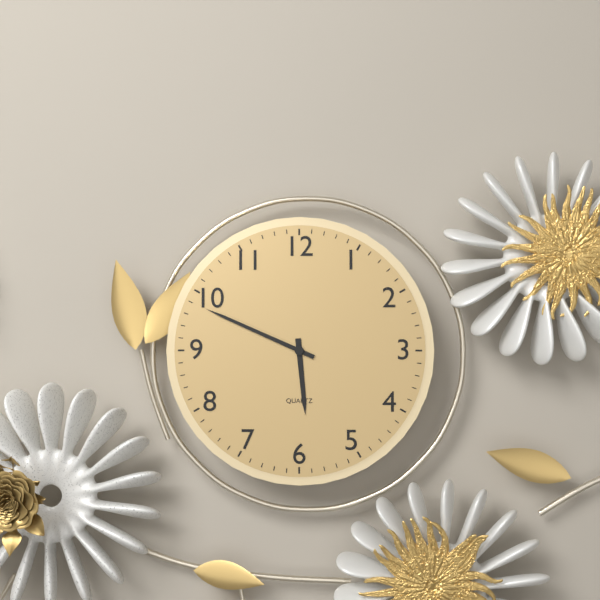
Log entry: 5:49
